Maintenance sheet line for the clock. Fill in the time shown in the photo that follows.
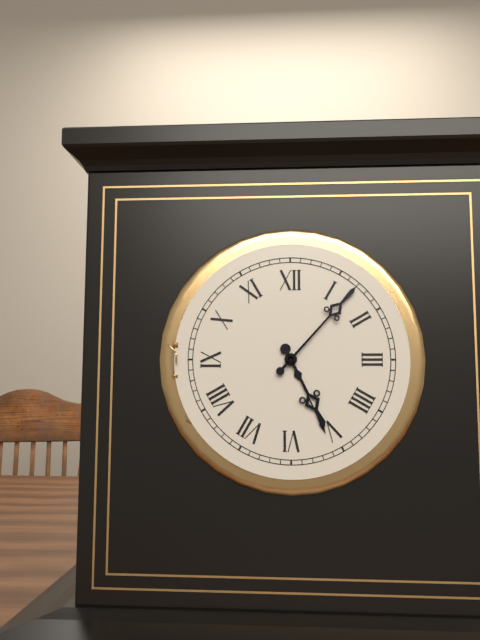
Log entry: 5:07
